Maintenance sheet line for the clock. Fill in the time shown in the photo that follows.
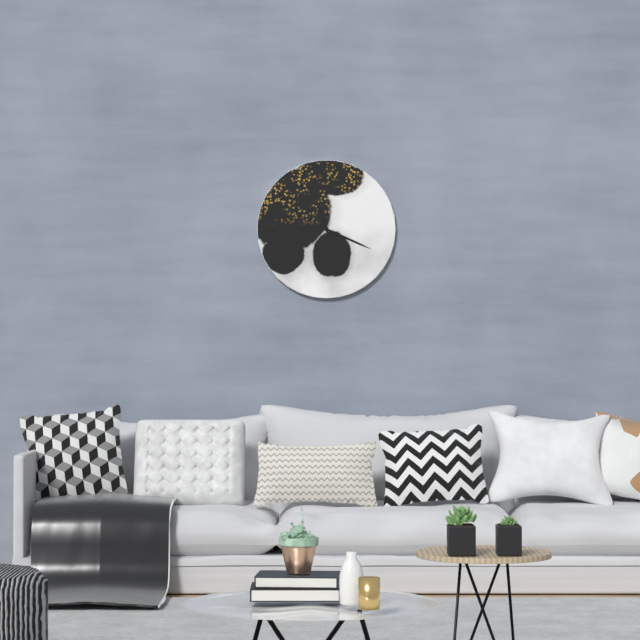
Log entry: 11:19
